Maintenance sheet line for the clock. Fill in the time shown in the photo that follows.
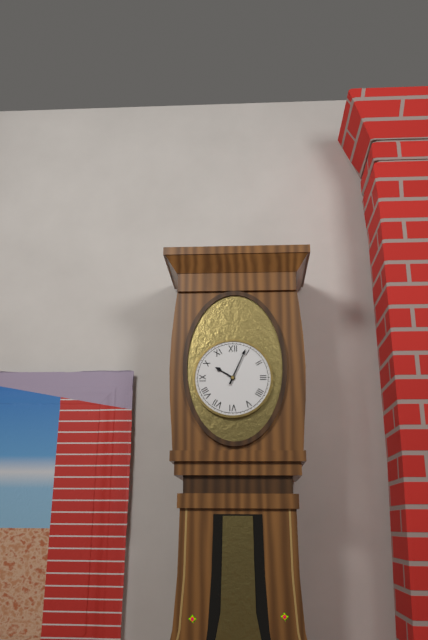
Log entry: 10:04
